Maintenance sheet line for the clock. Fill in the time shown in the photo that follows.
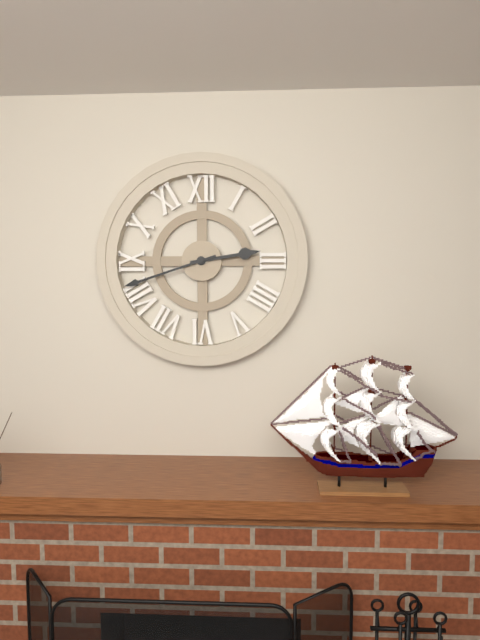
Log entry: 2:42
